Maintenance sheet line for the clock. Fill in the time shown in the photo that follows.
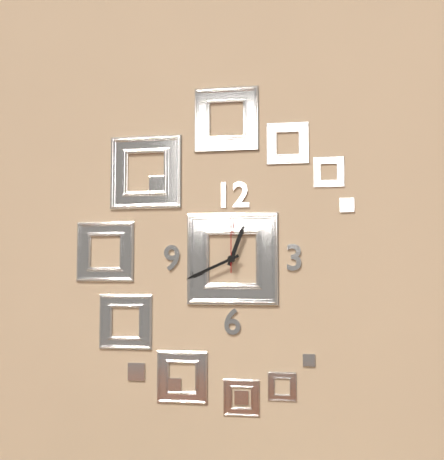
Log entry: 12:41:00
